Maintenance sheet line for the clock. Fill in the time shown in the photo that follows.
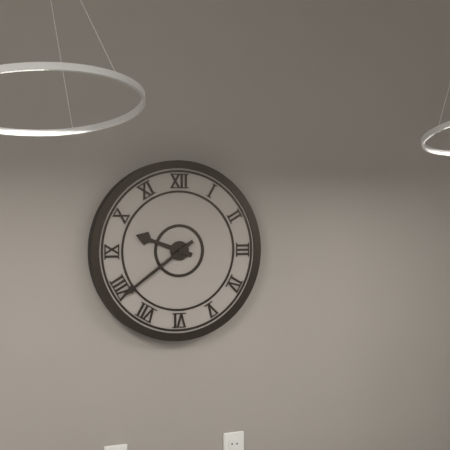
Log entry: 9:39
